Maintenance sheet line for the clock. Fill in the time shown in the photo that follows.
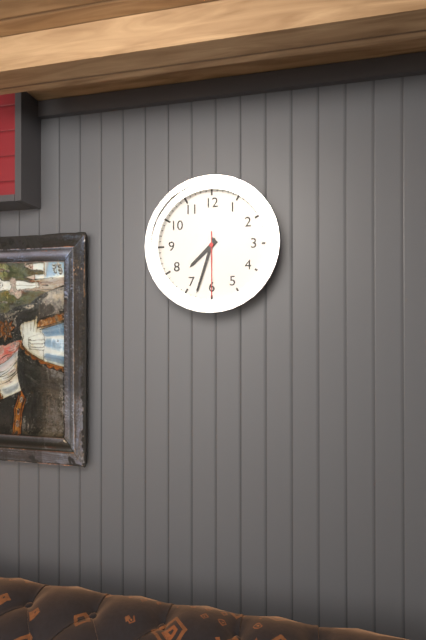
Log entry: 7:33:30
